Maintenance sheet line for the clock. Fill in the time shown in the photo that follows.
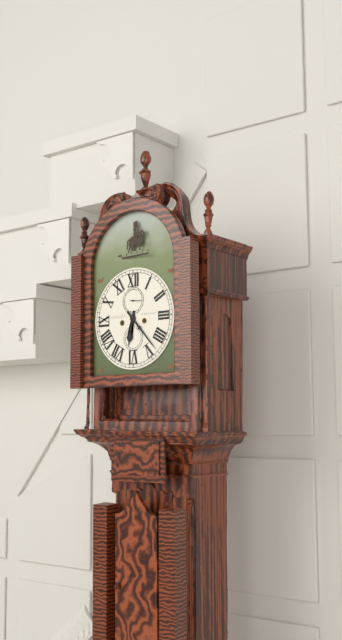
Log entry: 6:23
